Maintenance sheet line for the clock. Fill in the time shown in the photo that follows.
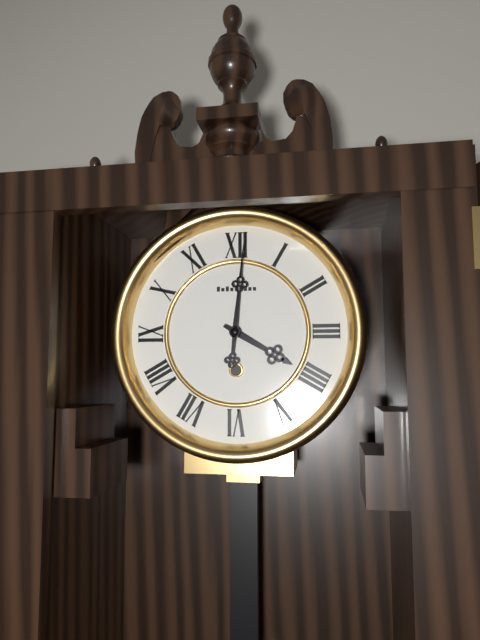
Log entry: 4:01
